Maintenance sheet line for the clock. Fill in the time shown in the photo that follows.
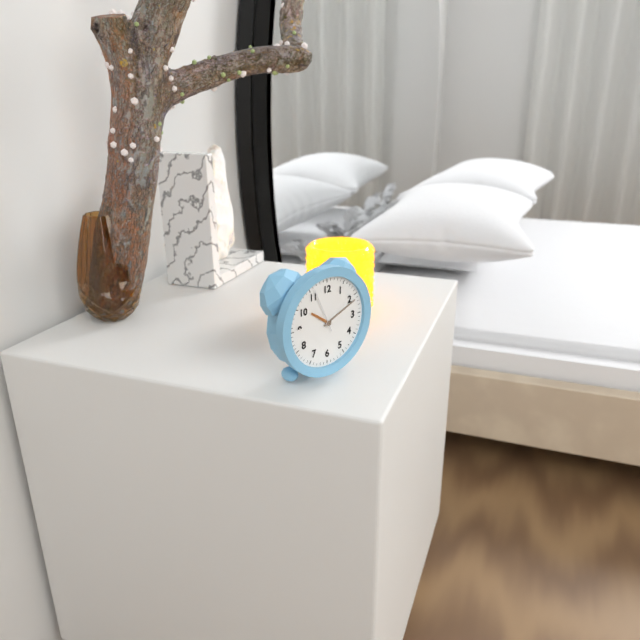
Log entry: 10:11
